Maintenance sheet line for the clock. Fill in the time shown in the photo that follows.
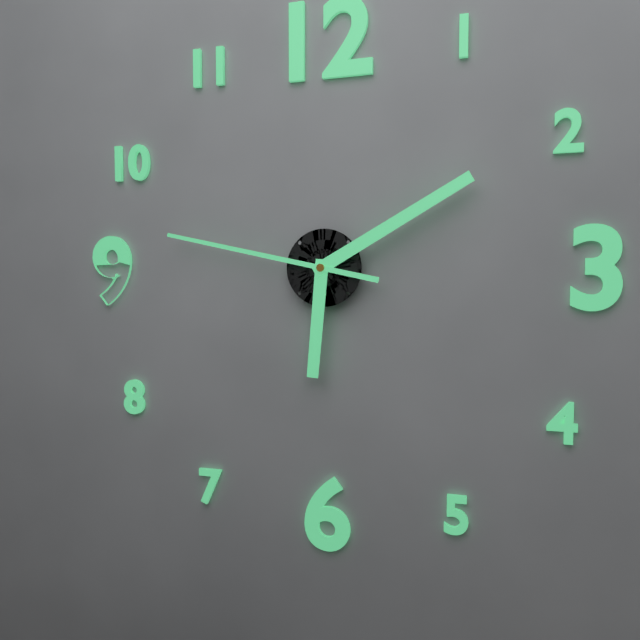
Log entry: 6:10:47
